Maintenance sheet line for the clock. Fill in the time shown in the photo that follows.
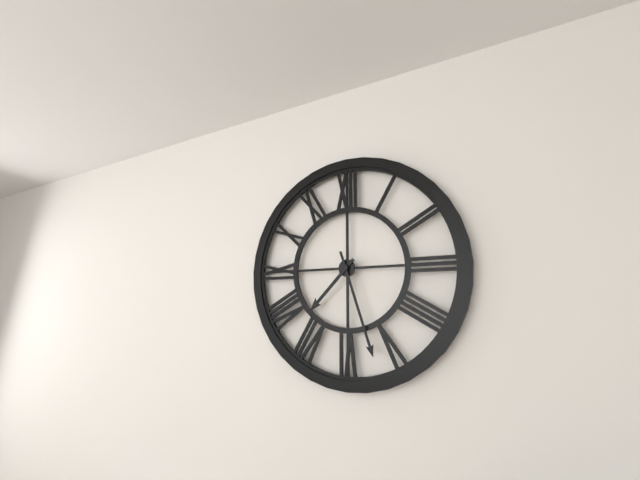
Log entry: 7:27
